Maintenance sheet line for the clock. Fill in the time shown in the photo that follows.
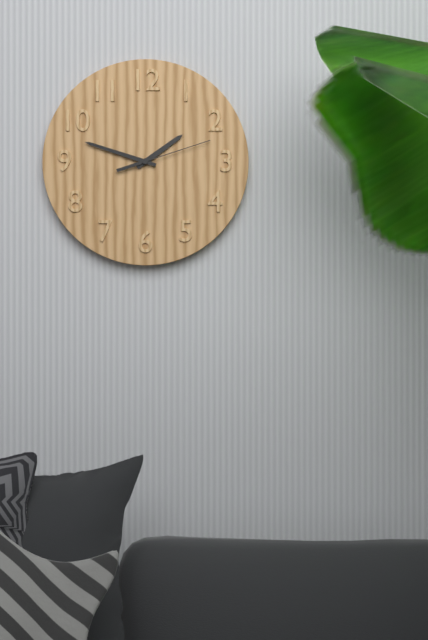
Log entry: 1:48:12
